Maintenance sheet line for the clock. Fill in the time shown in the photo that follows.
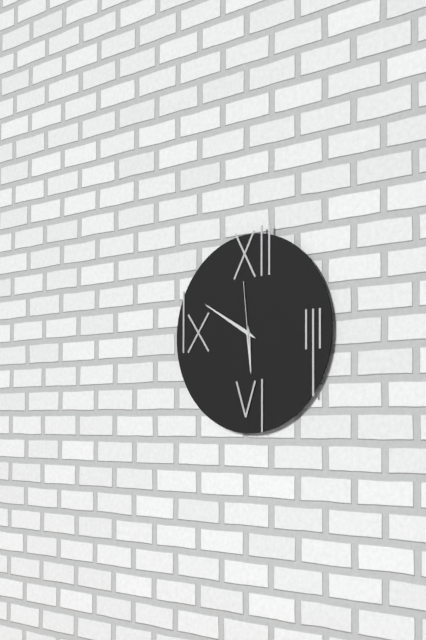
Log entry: 5:50:59
